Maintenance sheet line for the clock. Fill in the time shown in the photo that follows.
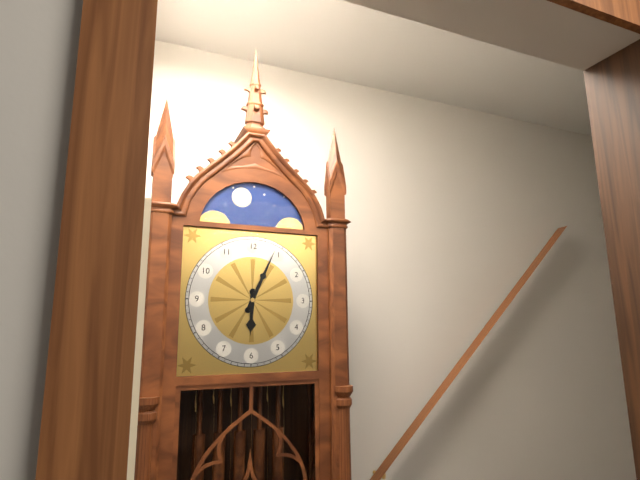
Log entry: 6:04
